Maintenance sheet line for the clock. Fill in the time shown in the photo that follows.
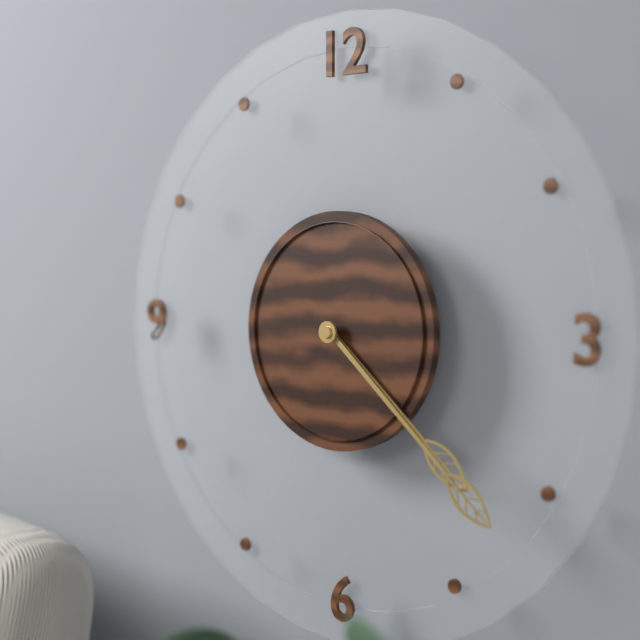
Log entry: 4:22
